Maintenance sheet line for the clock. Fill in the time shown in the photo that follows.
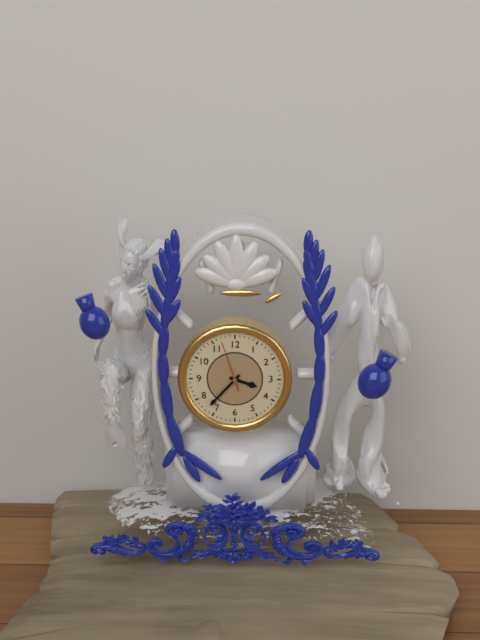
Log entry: 3:37:57
